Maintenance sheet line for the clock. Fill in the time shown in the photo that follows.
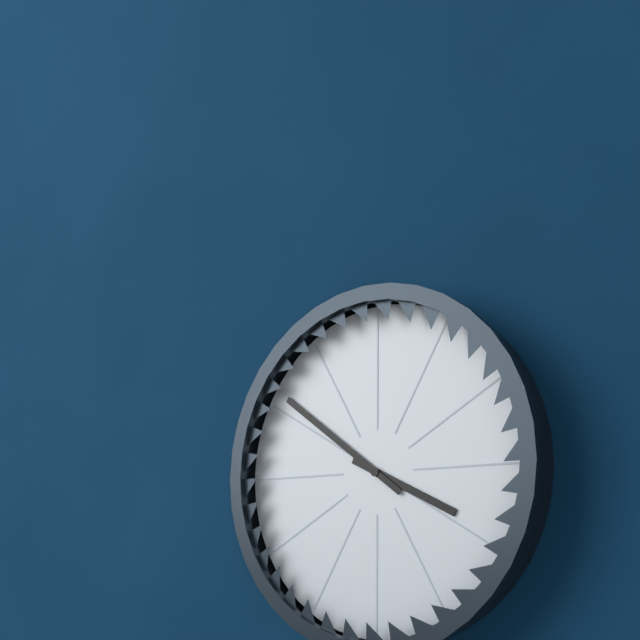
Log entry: 3:51
